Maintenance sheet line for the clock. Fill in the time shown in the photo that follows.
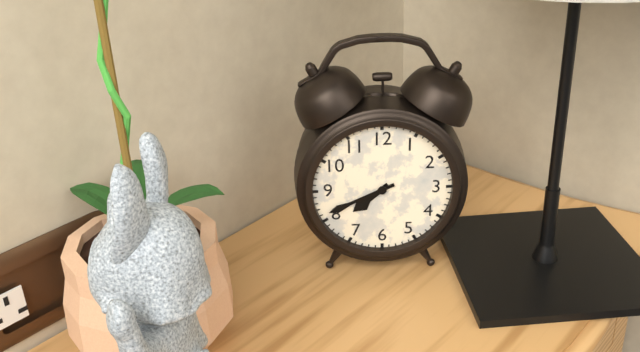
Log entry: 7:41
